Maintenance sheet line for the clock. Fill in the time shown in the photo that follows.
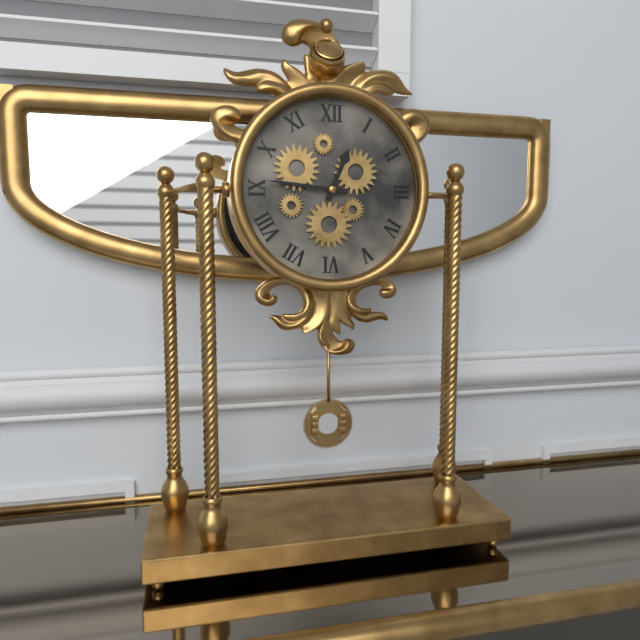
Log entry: 12:46
